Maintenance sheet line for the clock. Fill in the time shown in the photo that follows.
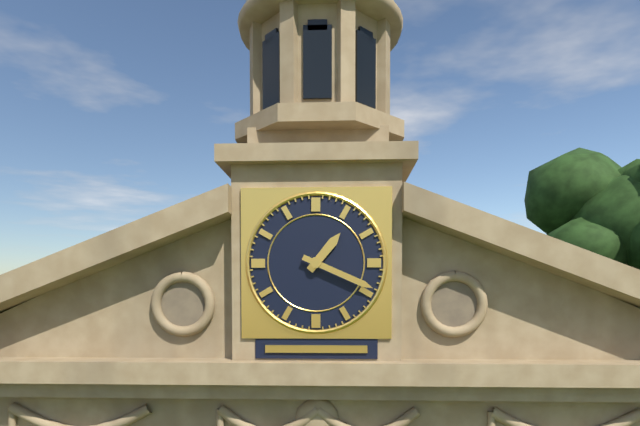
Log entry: 1:19
